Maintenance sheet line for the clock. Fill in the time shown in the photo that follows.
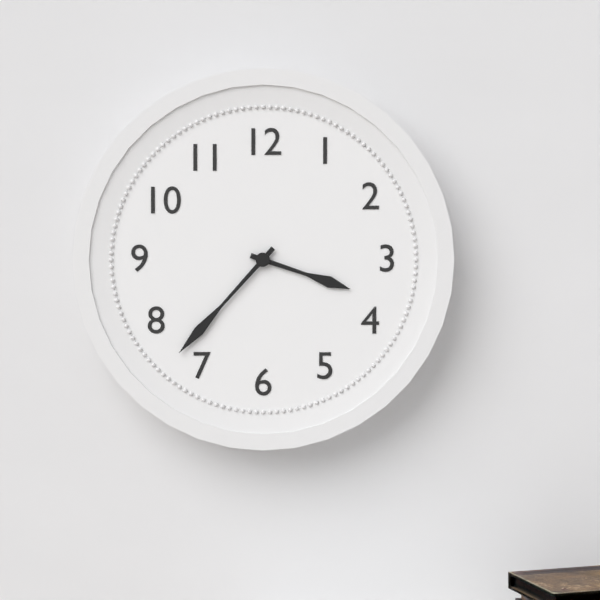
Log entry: 3:37
